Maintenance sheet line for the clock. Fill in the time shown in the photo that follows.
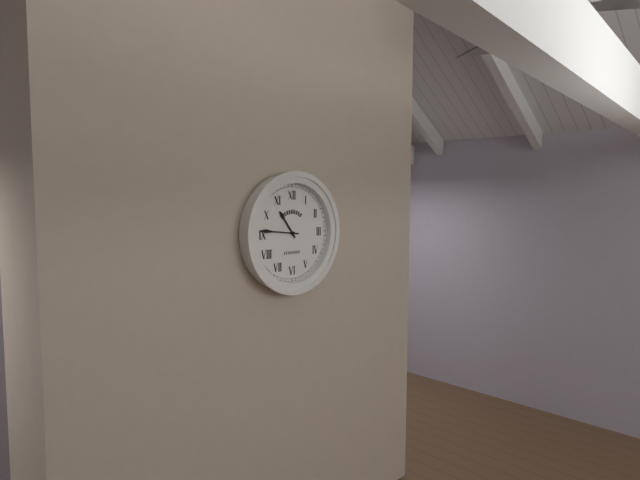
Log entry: 10:46
